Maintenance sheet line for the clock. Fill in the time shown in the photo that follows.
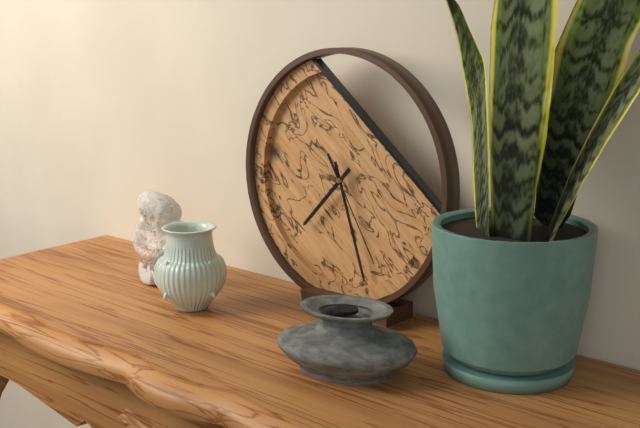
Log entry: 7:27:25
